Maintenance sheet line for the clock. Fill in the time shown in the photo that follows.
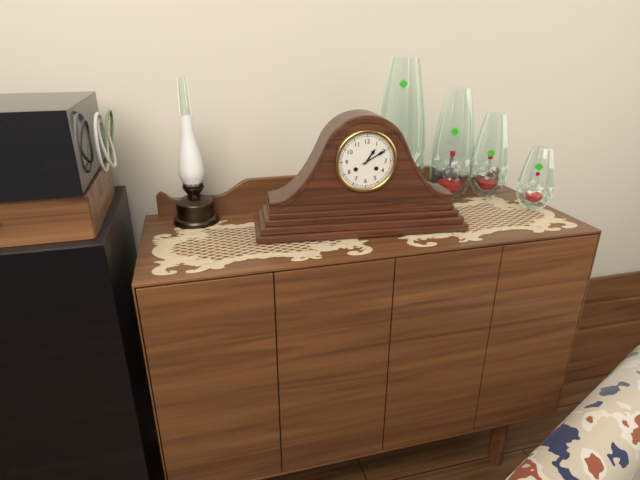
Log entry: 1:10
